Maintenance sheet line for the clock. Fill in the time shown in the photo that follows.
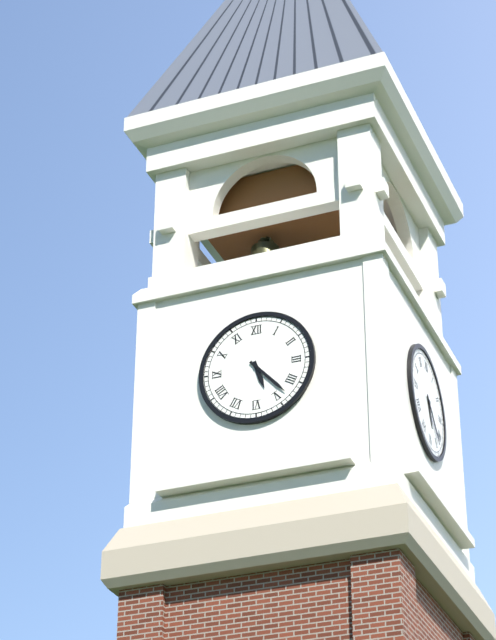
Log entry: 5:23
